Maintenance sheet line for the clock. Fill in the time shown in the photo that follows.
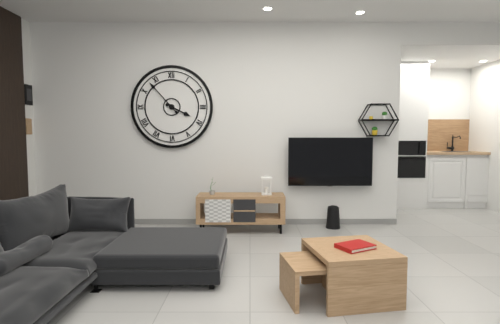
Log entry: 3:53
